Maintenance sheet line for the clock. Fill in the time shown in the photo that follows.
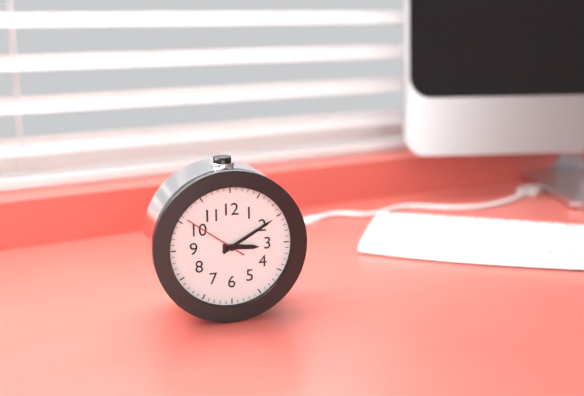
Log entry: 3:10:51
